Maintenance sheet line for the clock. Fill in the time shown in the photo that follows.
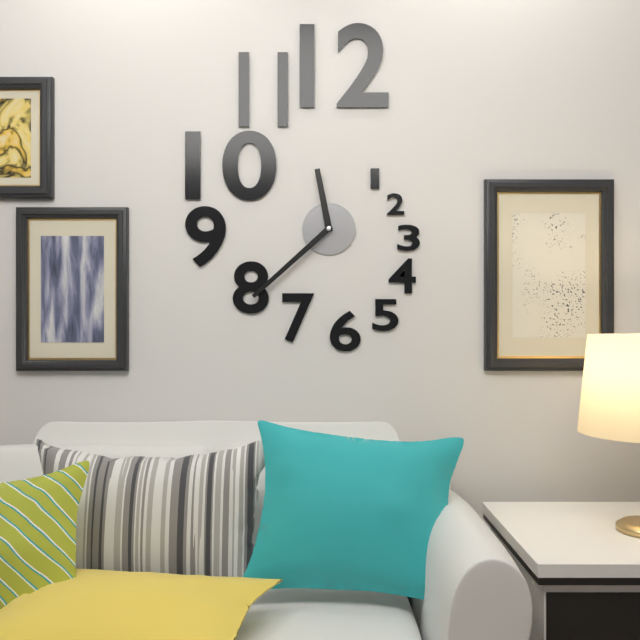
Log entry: 11:38
